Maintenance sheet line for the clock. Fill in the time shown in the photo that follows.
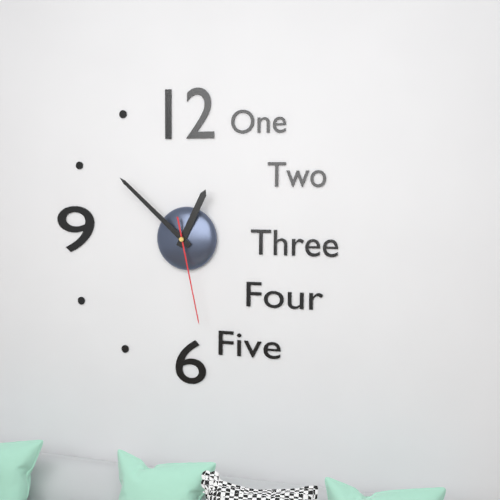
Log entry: 12:52:28
